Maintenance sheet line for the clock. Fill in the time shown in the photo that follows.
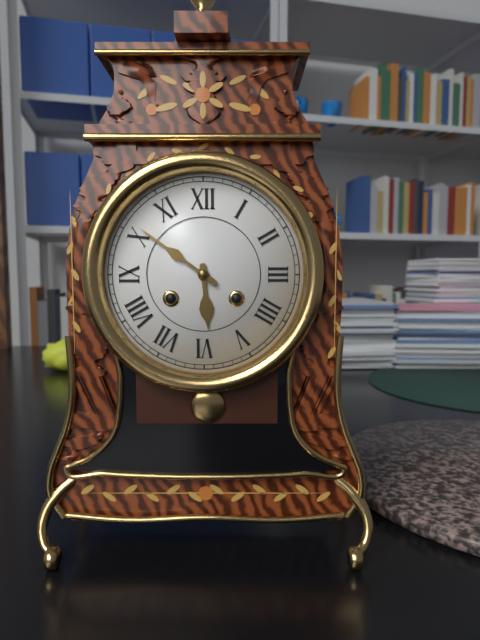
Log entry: 5:51
